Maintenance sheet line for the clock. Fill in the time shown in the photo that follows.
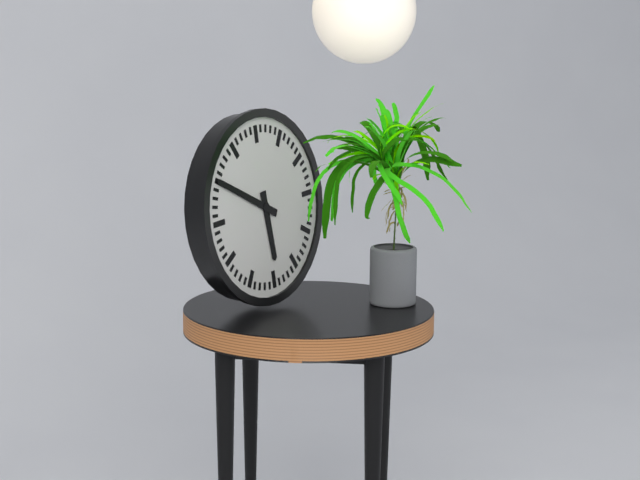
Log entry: 5:50
